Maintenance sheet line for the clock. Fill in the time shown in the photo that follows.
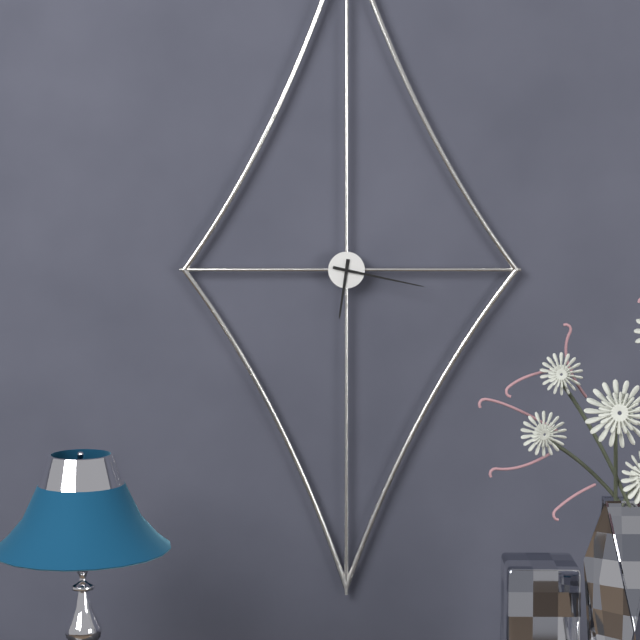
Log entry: 6:17
